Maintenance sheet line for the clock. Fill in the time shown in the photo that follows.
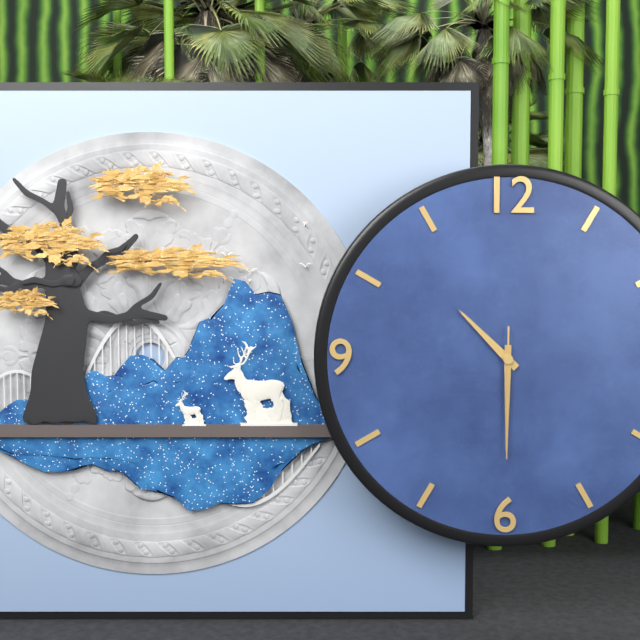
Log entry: 10:30:30
